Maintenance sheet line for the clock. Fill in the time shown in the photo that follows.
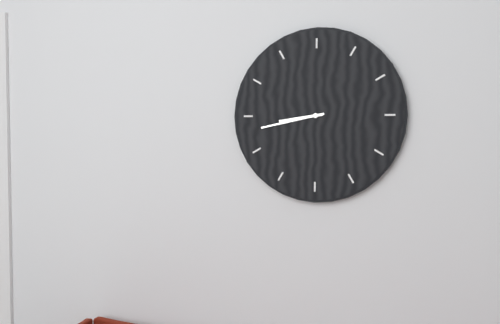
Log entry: 8:43
